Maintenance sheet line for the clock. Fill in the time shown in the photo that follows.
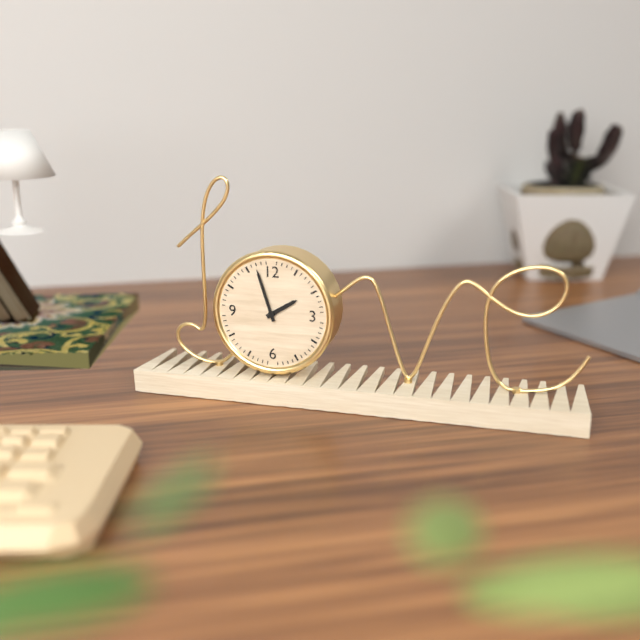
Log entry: 1:57
